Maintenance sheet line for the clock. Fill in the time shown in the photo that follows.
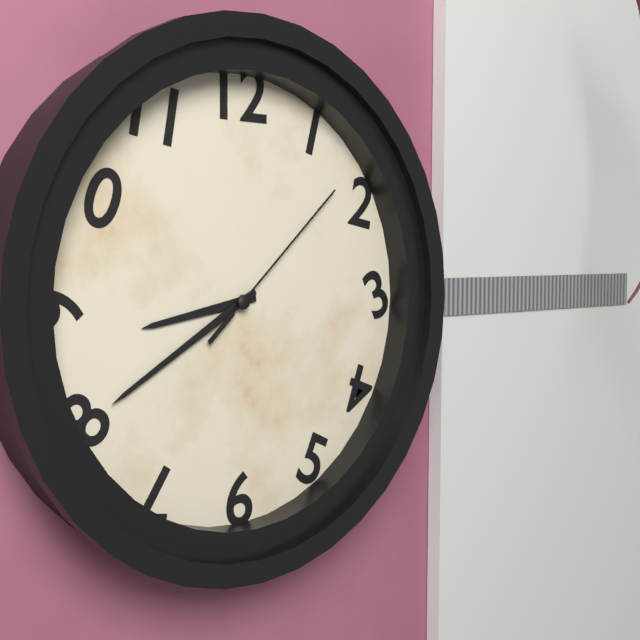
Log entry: 8:40:08
